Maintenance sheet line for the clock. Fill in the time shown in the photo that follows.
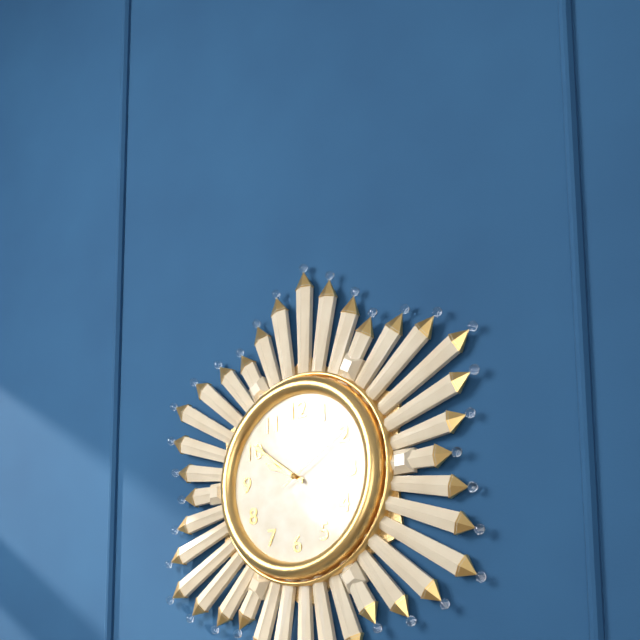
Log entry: 9:51:10
